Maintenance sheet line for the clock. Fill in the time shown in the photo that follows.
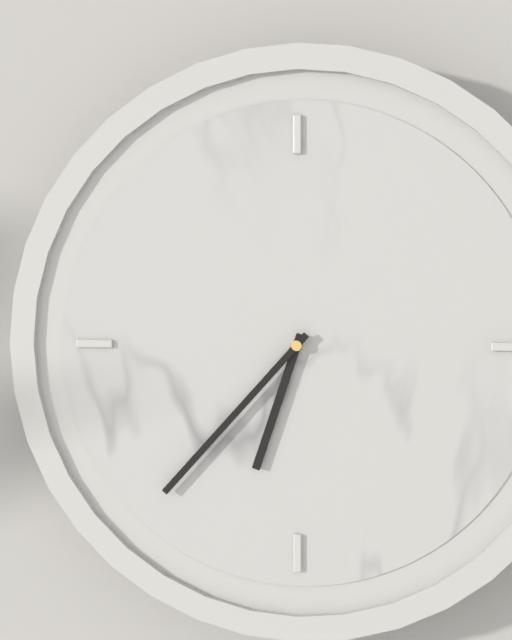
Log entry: 6:37
